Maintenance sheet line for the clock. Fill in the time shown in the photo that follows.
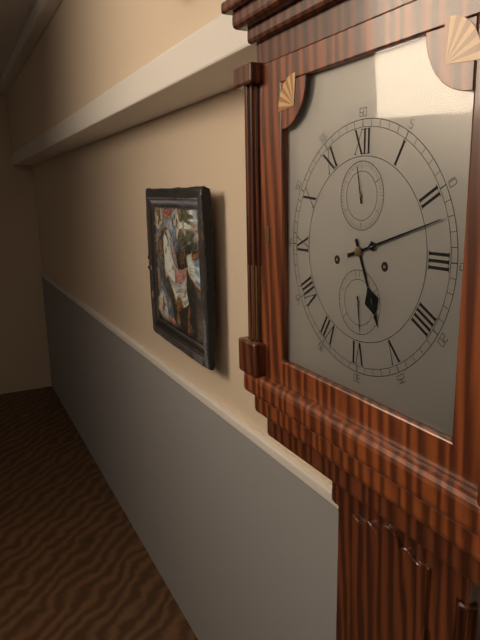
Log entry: 5:12
